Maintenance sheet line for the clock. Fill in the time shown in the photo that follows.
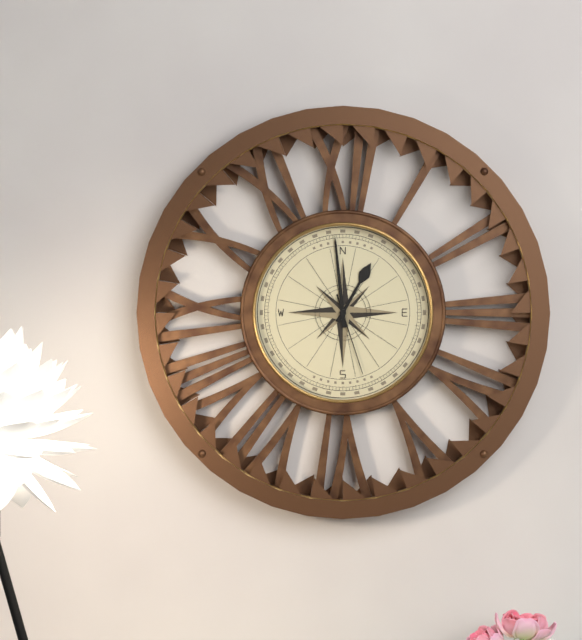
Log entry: 12:59:27
